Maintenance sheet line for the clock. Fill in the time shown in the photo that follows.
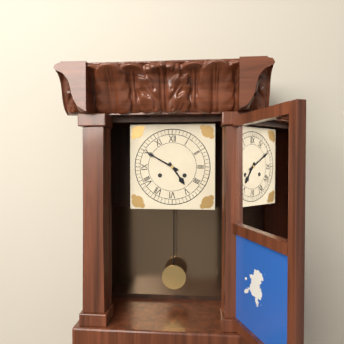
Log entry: 4:50
